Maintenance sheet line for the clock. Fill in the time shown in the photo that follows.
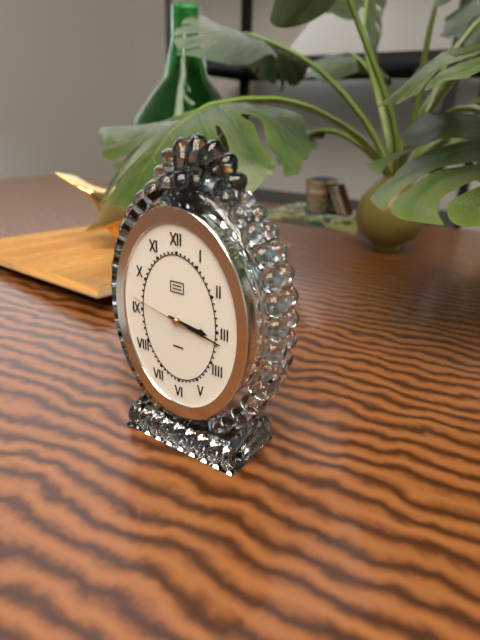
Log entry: 3:17:47
